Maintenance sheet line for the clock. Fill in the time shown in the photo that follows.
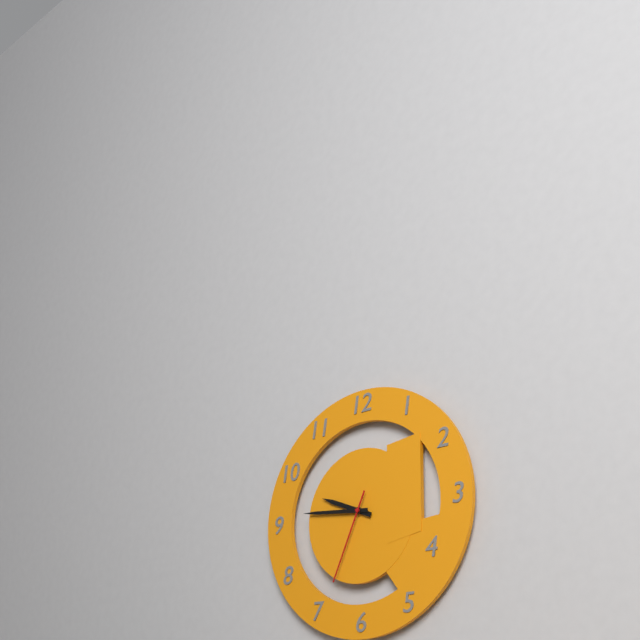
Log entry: 9:46:34
